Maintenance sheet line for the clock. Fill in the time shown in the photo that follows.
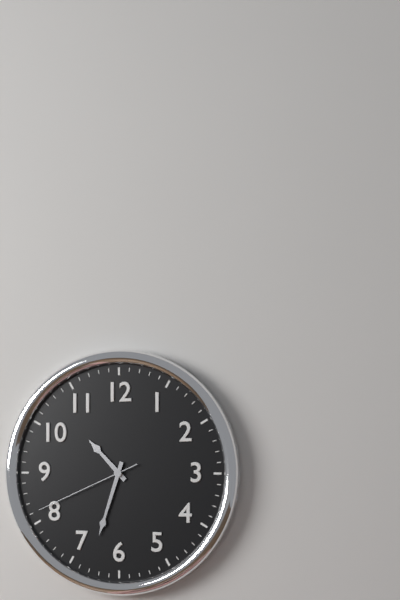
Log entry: 10:33:41
